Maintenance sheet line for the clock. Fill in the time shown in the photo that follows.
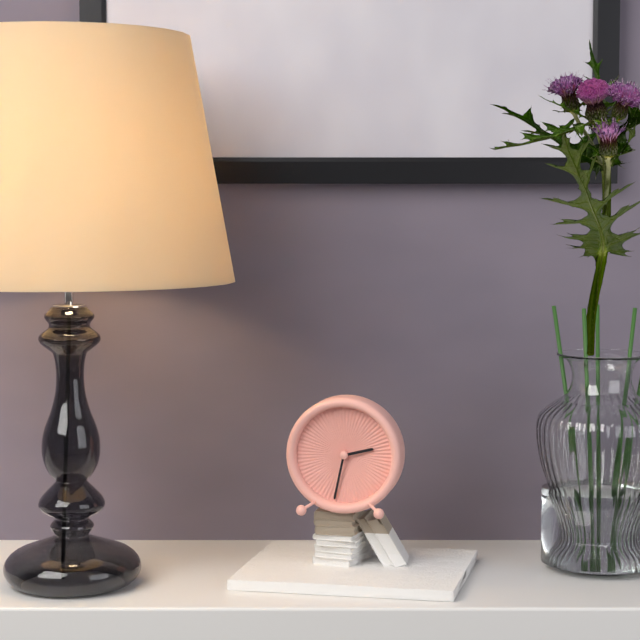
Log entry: 2:32
